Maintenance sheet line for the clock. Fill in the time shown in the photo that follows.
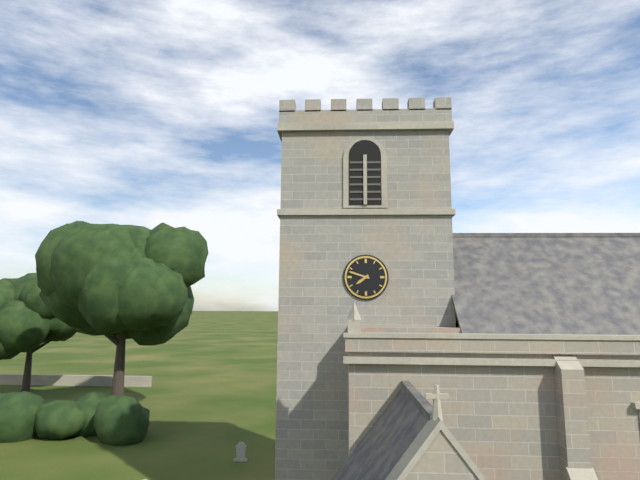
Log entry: 7:48
